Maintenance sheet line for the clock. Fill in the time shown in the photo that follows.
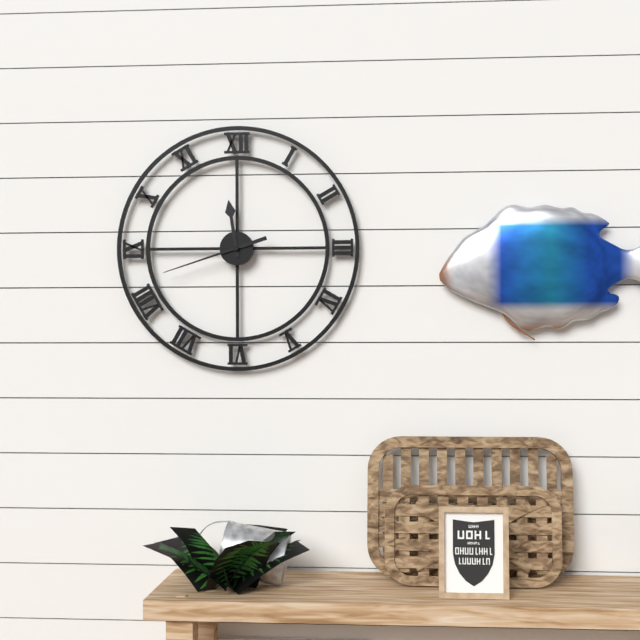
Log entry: 11:42
